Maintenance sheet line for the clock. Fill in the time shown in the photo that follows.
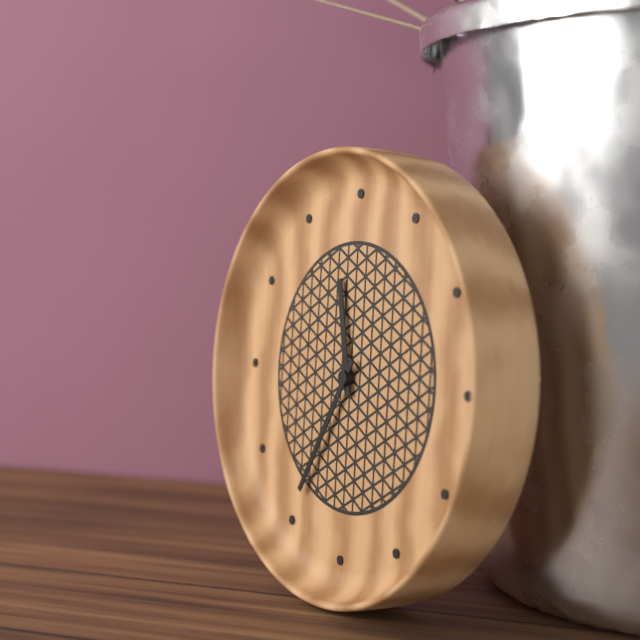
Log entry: 11:35
